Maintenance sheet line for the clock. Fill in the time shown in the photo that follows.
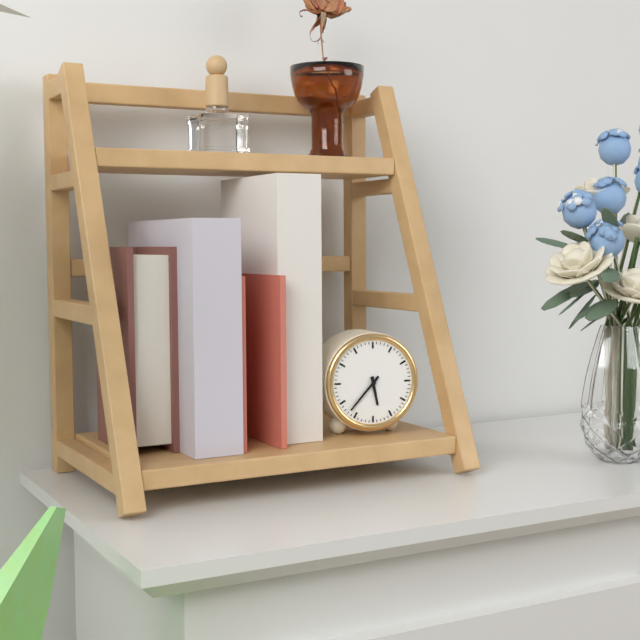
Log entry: 5:37
